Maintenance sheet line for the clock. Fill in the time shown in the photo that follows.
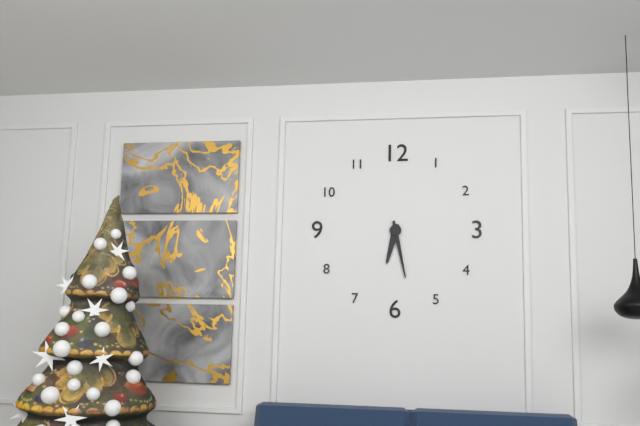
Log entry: 6:28
